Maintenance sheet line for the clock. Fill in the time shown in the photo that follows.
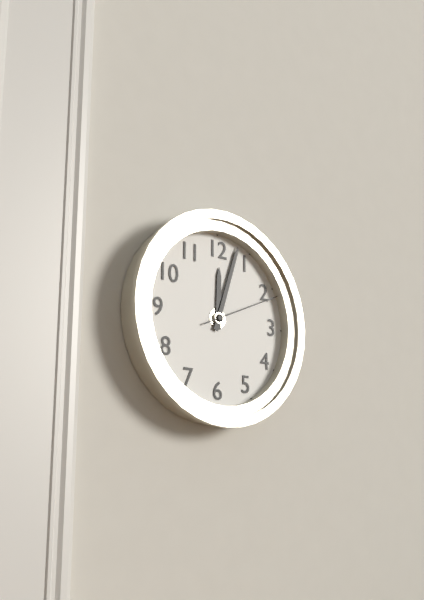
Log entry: 12:03:11
